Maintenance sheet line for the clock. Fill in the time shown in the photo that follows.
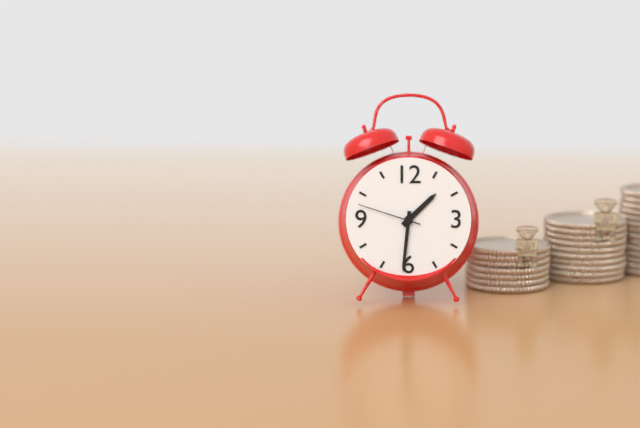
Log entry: 1:31:48
